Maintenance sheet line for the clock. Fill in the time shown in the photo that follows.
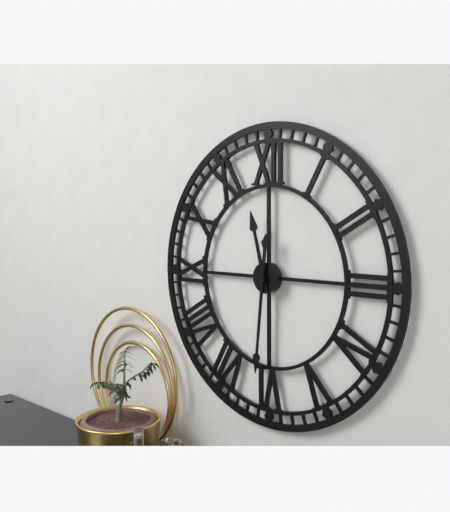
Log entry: 11:31
